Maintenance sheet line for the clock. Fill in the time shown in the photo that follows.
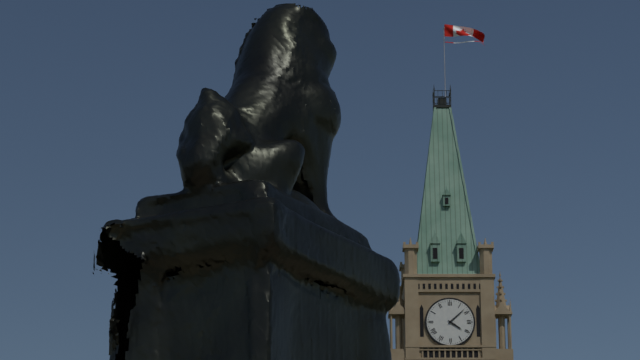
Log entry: 4:08
